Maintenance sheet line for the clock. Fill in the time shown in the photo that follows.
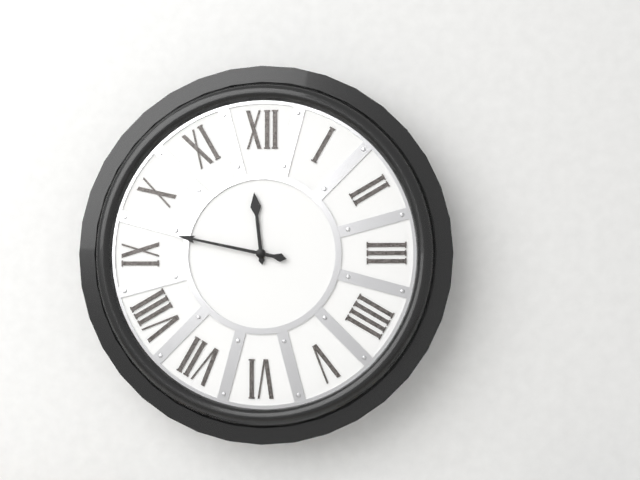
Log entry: 11:47
